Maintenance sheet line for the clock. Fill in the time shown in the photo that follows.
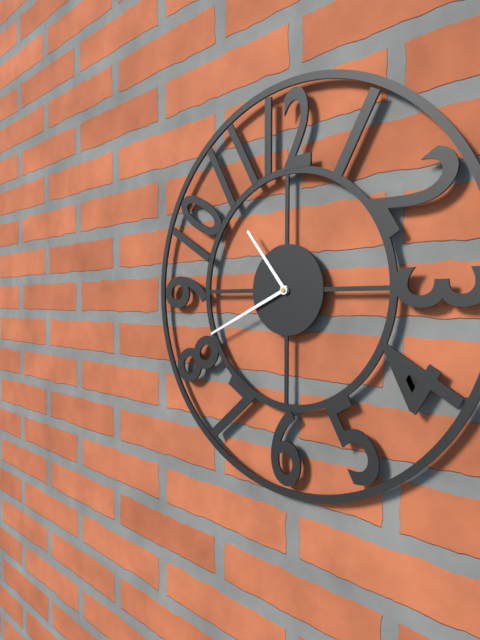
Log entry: 10:41
